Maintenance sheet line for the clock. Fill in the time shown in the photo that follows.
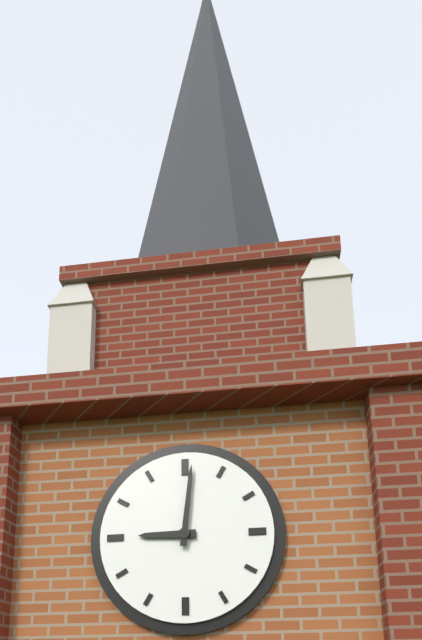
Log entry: 9:01
